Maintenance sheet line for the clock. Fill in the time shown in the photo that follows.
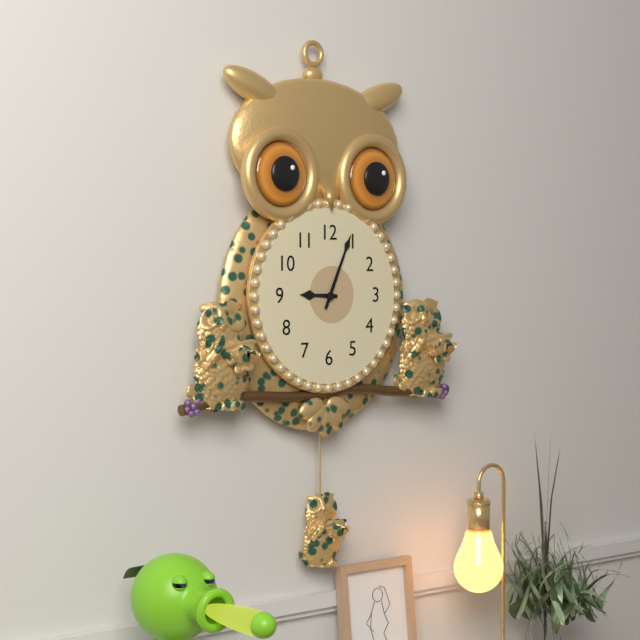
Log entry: 9:04
